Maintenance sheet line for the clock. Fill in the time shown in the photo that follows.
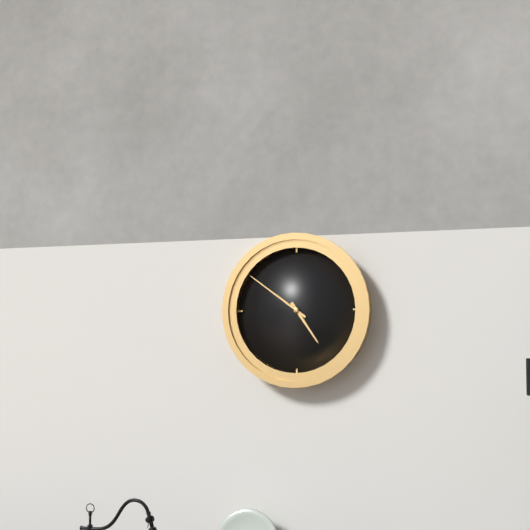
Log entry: 4:51
